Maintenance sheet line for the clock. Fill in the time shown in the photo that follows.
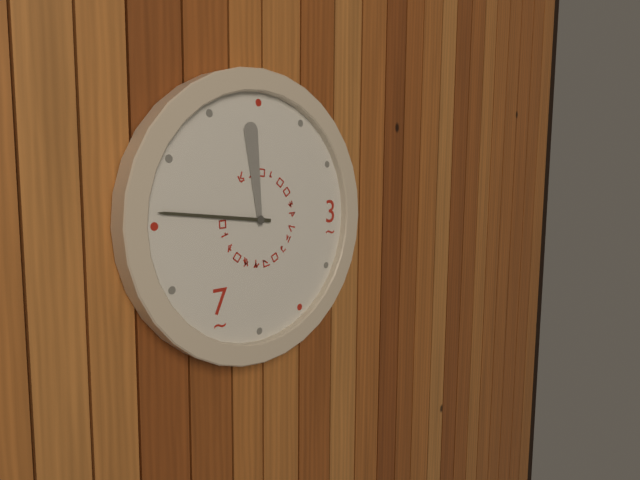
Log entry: 11:46
